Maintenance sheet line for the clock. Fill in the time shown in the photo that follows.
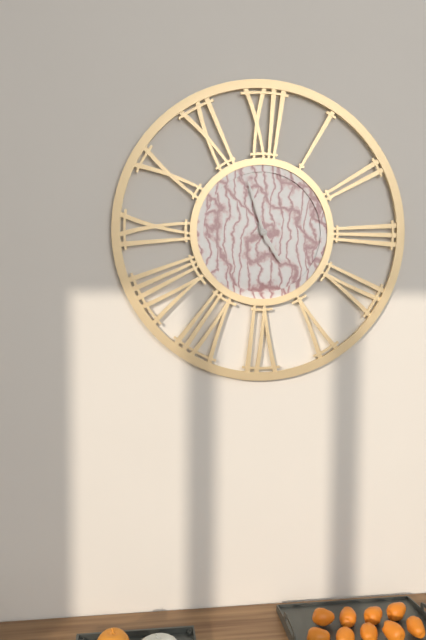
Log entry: 4:57
